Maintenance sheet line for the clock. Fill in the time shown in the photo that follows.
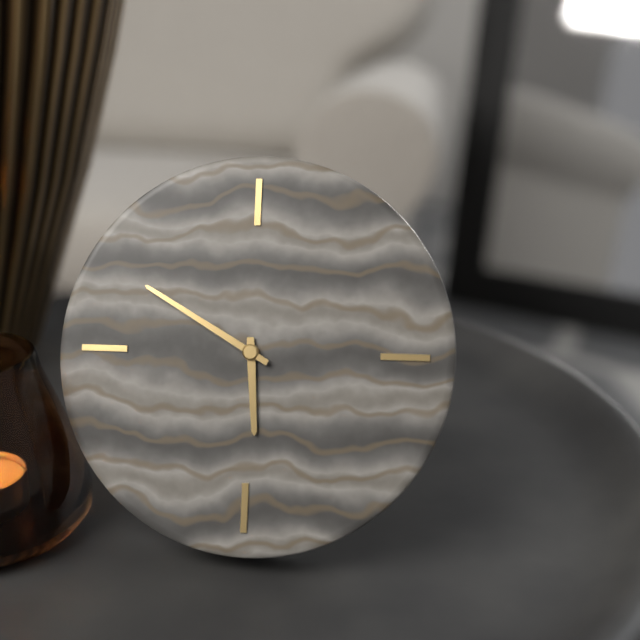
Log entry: 5:50
